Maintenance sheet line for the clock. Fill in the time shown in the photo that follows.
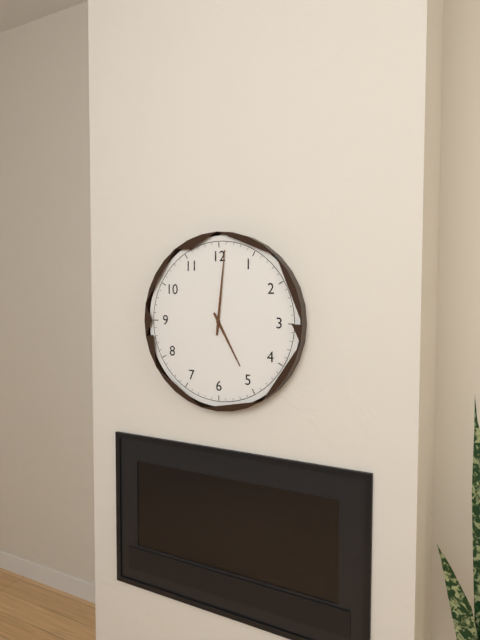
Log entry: 5:01
